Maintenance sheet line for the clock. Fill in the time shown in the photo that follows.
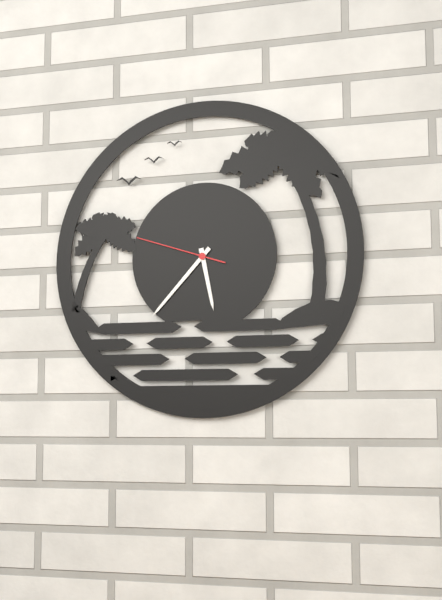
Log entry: 5:37:48
